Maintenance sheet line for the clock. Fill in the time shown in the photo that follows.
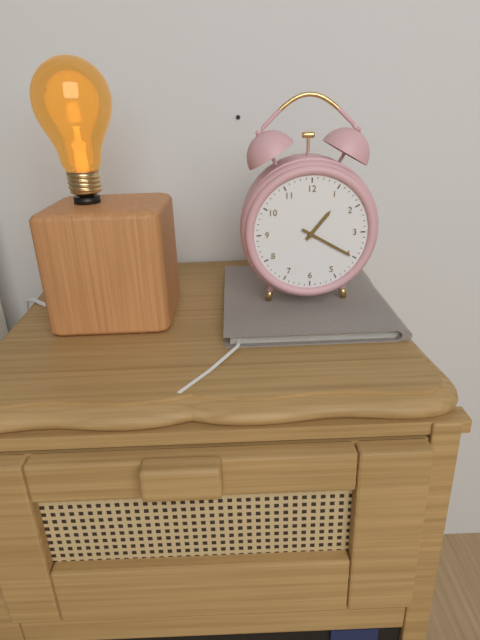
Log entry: 1:20
